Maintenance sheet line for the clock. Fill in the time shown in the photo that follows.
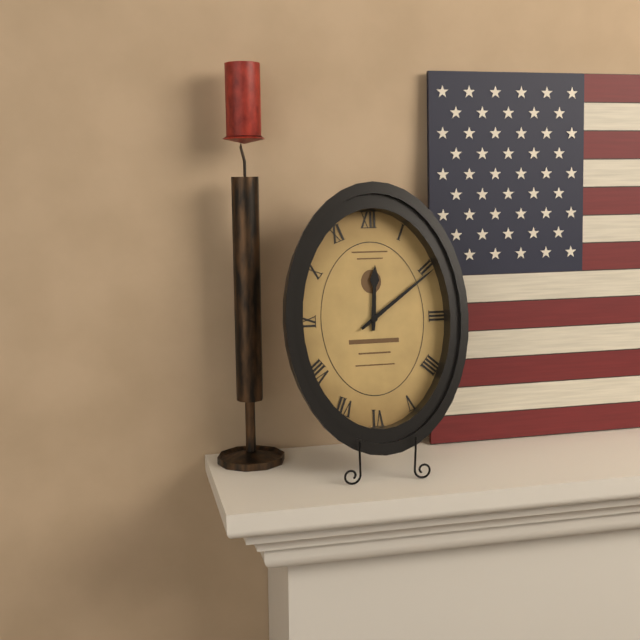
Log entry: 12:09
